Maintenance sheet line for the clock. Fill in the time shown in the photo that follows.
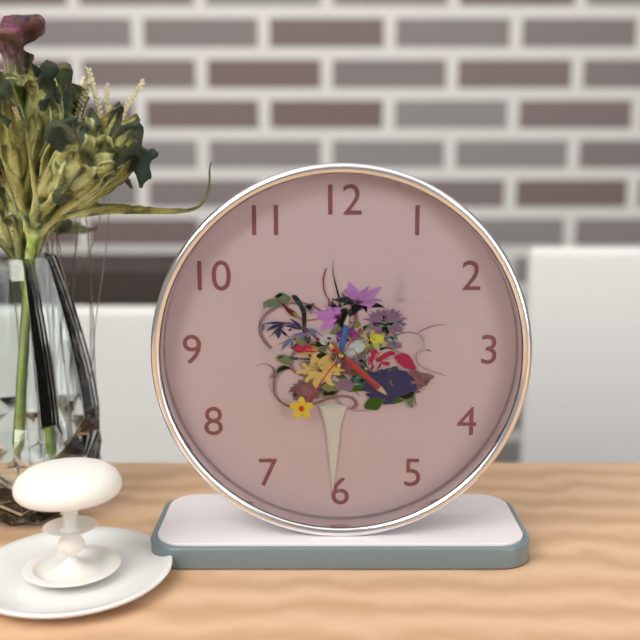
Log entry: 12:22:36
